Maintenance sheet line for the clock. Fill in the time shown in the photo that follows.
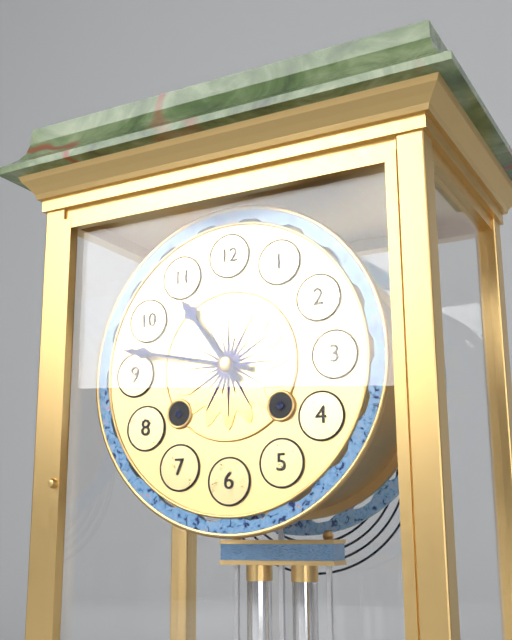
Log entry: 10:47
